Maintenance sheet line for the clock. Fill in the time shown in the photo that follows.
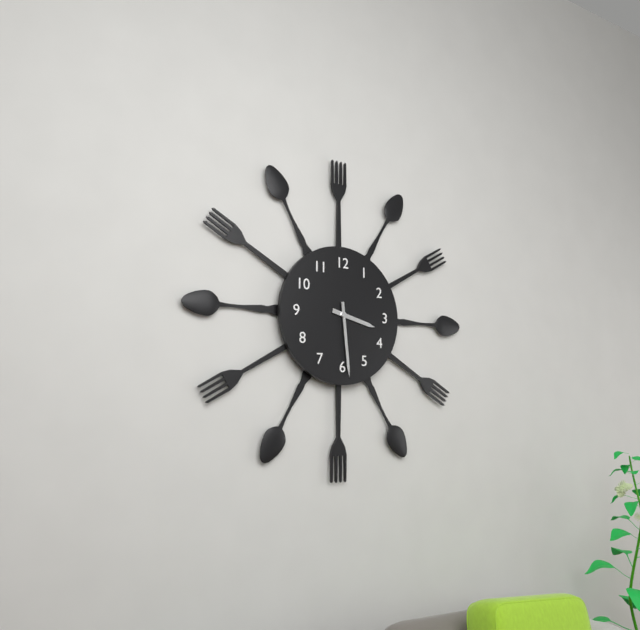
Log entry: 3:29
